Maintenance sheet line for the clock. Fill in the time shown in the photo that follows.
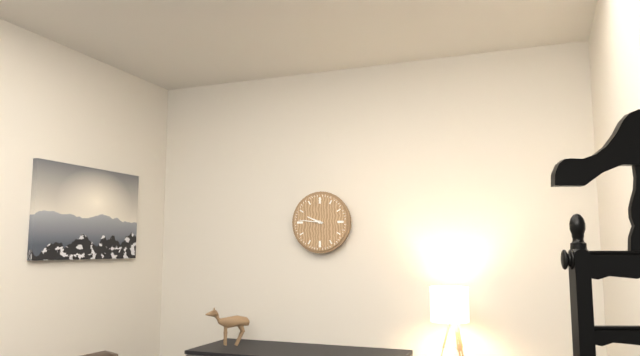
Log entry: 9:46
